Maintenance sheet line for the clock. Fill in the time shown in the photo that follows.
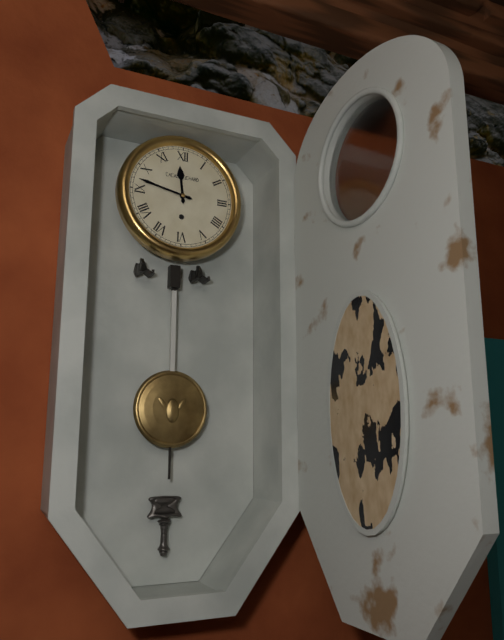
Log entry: 11:47
